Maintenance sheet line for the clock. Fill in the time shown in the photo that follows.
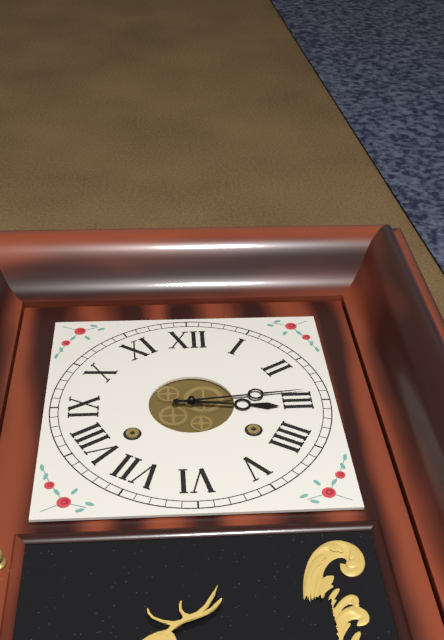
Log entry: 3:14
